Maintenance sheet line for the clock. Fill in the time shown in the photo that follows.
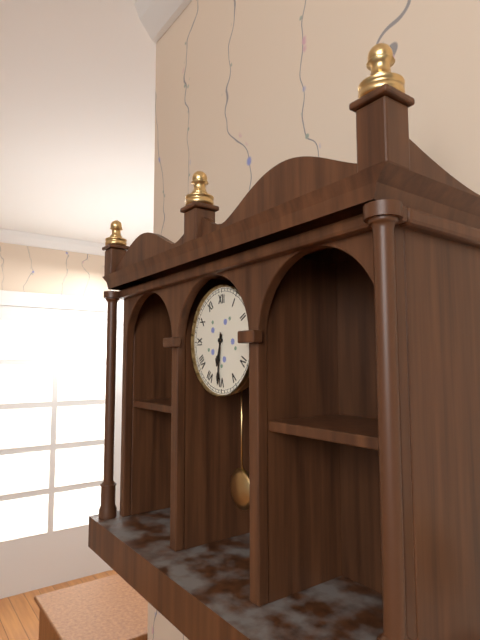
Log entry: 6:31
